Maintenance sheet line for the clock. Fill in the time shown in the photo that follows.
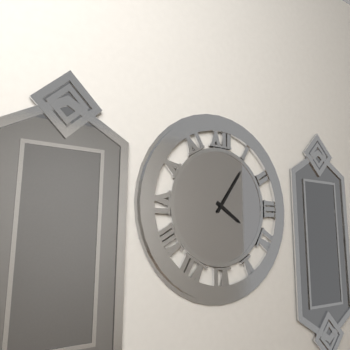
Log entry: 4:06
